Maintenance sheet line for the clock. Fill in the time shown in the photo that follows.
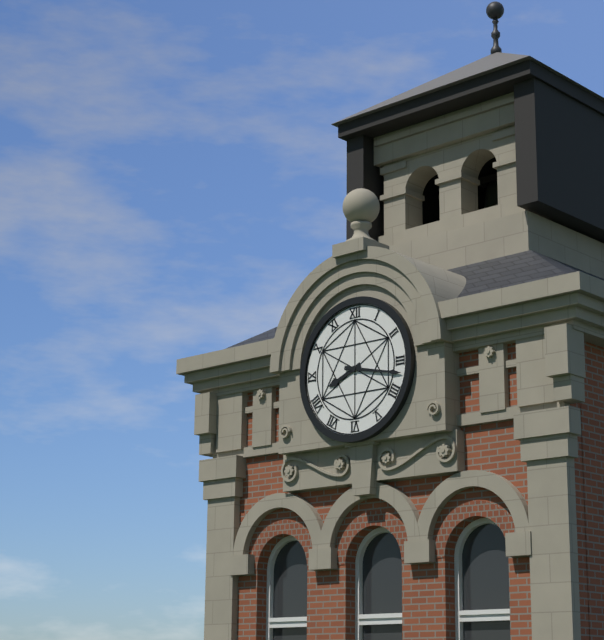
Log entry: 8:17
